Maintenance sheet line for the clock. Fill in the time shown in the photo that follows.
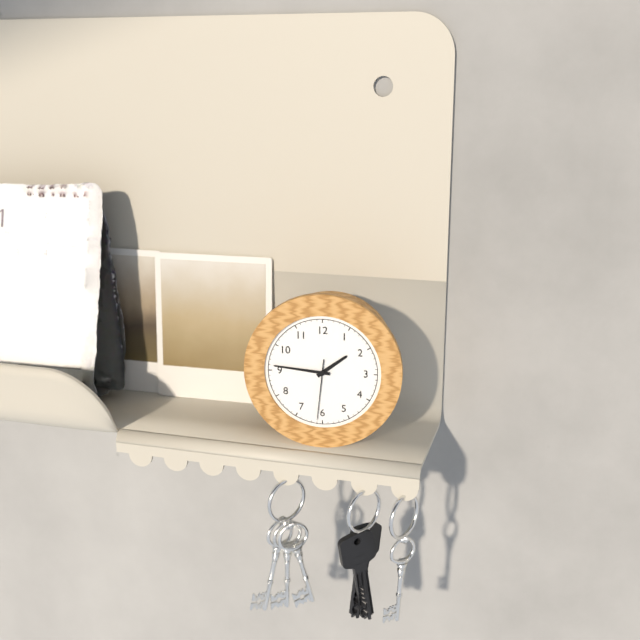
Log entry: 1:46:31
